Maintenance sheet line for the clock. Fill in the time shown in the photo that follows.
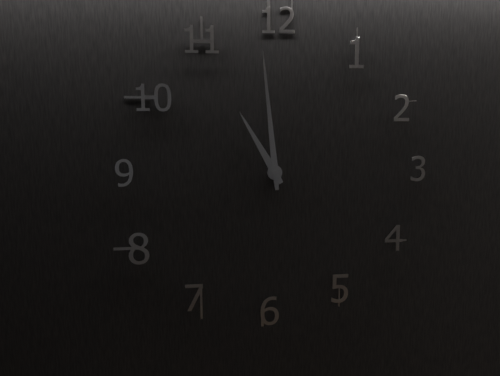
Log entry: 10:59
